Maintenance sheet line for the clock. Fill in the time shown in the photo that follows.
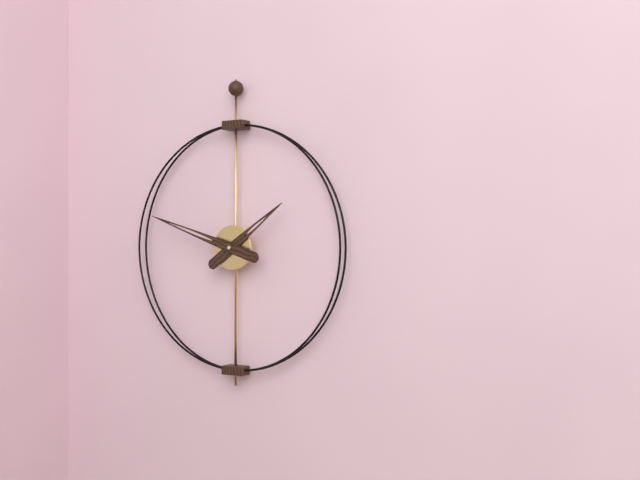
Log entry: 1:48
